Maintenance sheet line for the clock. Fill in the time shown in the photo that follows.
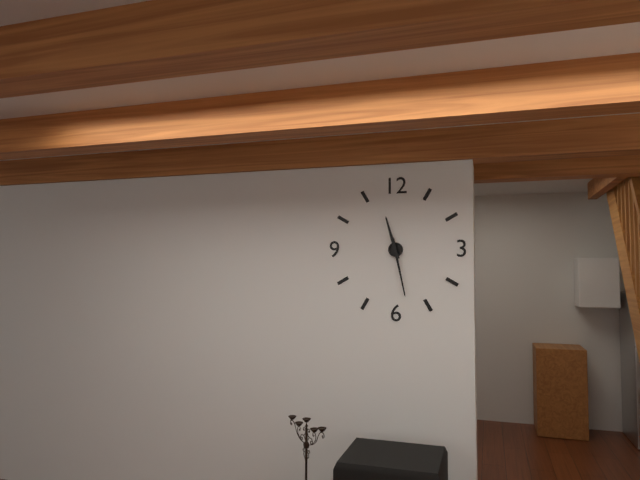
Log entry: 11:28
